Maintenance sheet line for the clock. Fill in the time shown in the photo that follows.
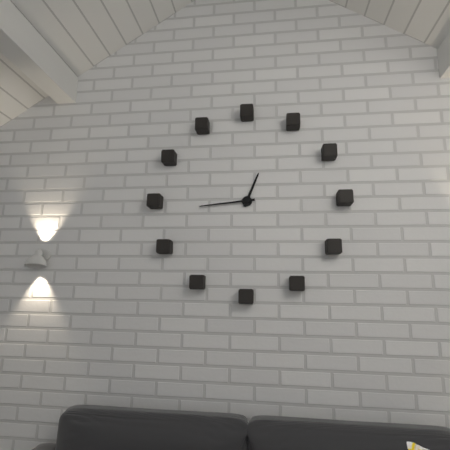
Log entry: 12:44
